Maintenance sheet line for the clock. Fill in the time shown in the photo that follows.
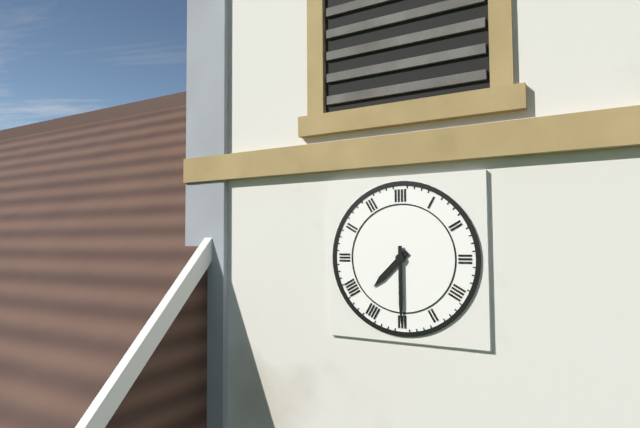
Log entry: 7:30
